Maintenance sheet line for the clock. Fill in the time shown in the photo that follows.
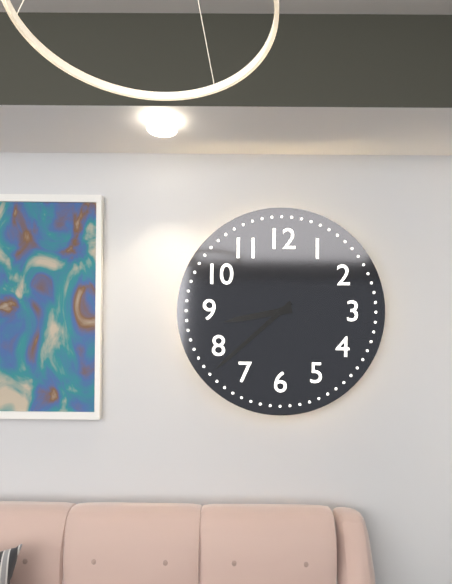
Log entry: 8:38
